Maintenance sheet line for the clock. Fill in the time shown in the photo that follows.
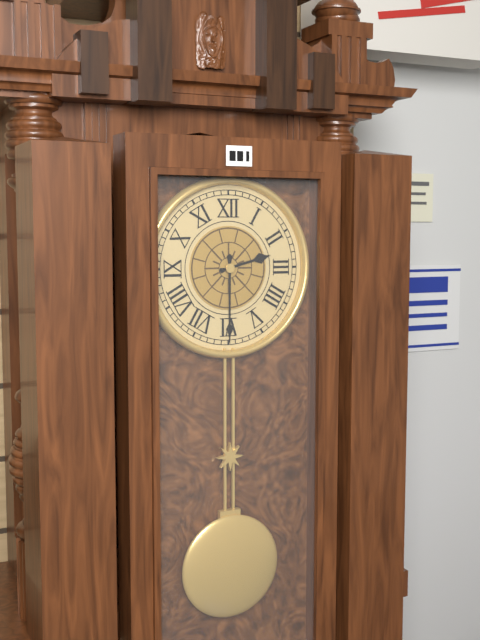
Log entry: 2:30
